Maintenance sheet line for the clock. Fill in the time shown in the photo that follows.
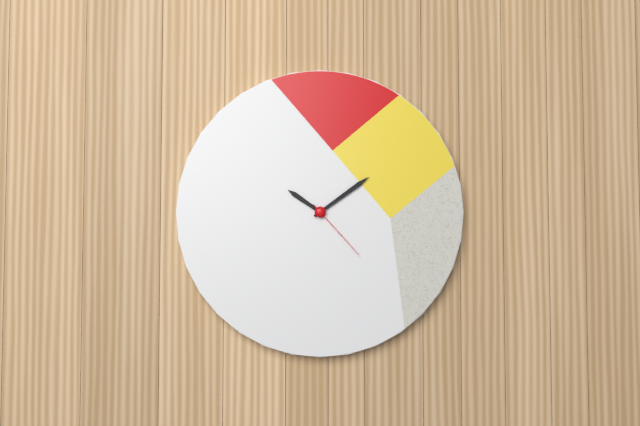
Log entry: 10:09:23
